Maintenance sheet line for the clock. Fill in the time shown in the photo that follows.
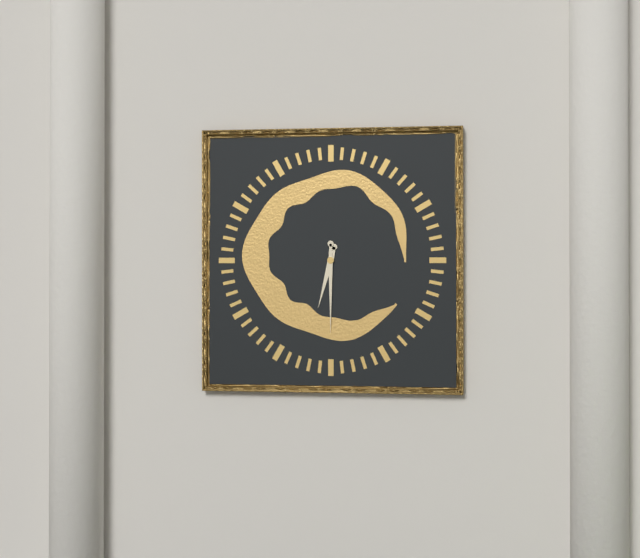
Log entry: 6:30
